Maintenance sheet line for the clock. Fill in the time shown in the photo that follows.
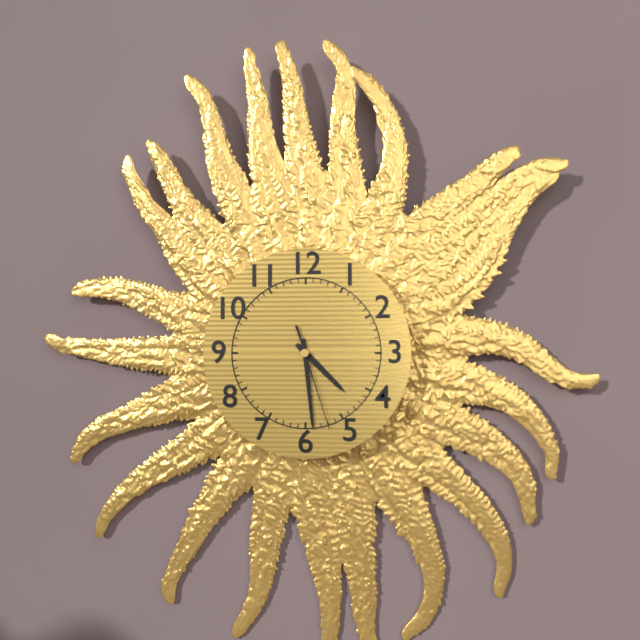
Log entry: 4:29:27
